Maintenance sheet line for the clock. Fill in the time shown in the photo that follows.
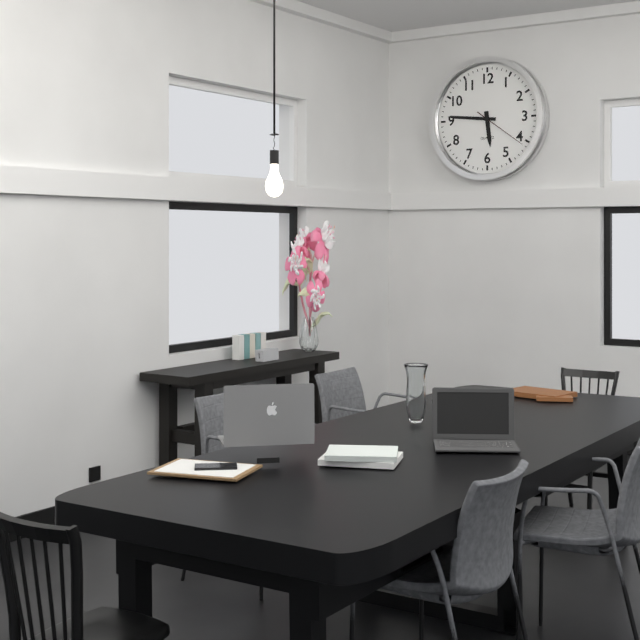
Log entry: 5:46:21
